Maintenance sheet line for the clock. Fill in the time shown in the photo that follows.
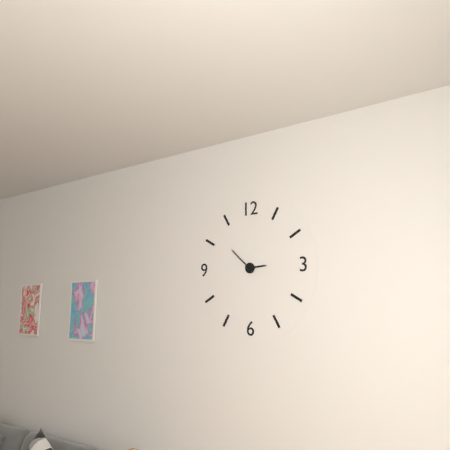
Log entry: 2:52
